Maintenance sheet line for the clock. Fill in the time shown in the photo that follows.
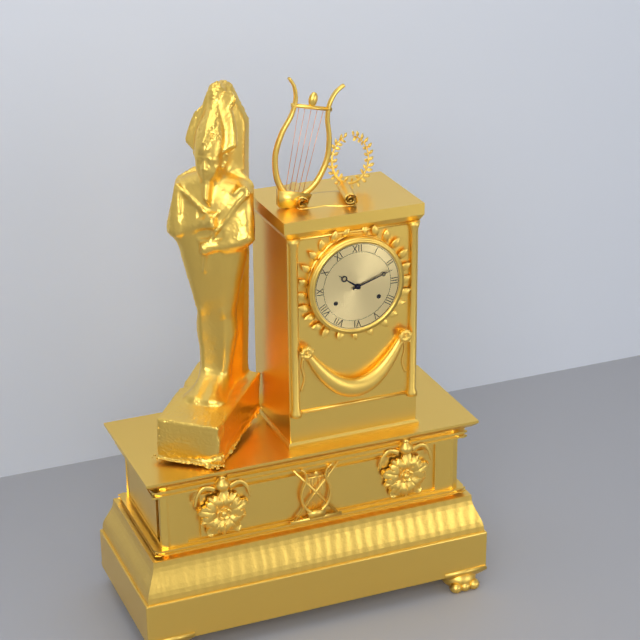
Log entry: 10:12
